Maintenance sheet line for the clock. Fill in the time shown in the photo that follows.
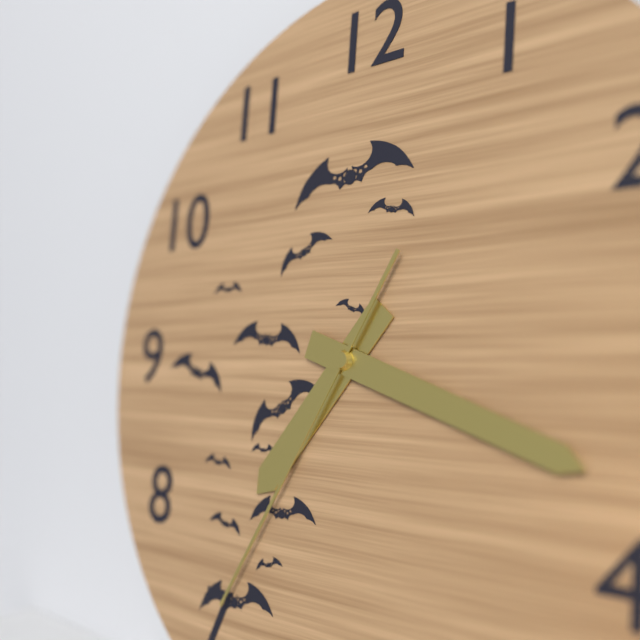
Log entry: 7:18:35
